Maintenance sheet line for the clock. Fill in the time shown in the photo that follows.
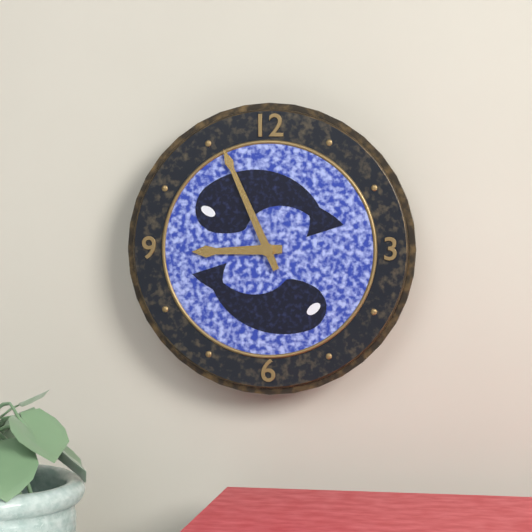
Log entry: 8:56
